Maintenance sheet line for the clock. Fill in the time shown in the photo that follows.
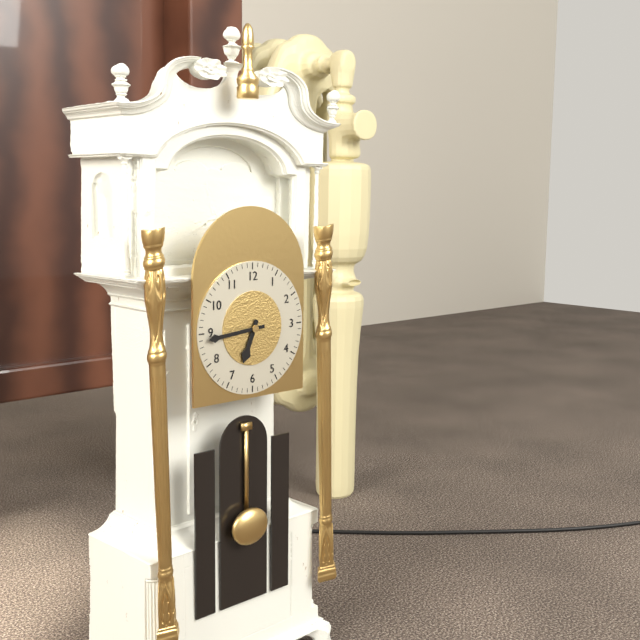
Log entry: 6:44
